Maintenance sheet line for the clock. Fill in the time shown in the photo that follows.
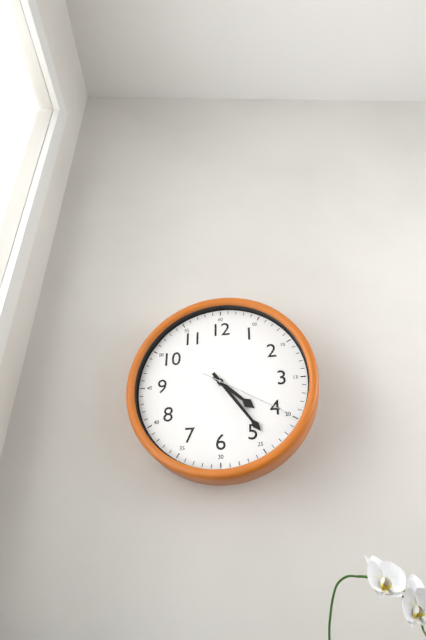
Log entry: 4:24:20
